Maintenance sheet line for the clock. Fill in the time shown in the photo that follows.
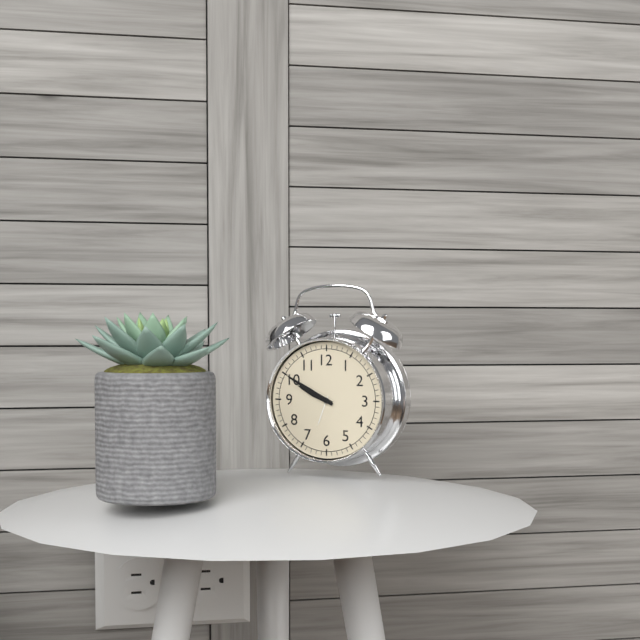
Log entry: 9:50
